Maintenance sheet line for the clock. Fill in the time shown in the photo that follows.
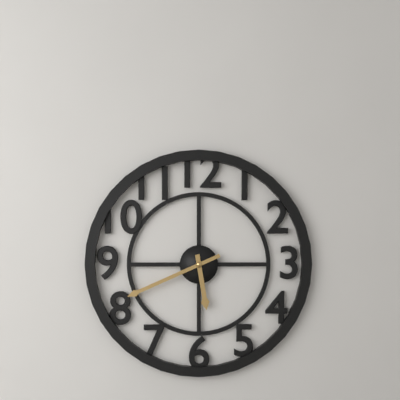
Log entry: 5:41
